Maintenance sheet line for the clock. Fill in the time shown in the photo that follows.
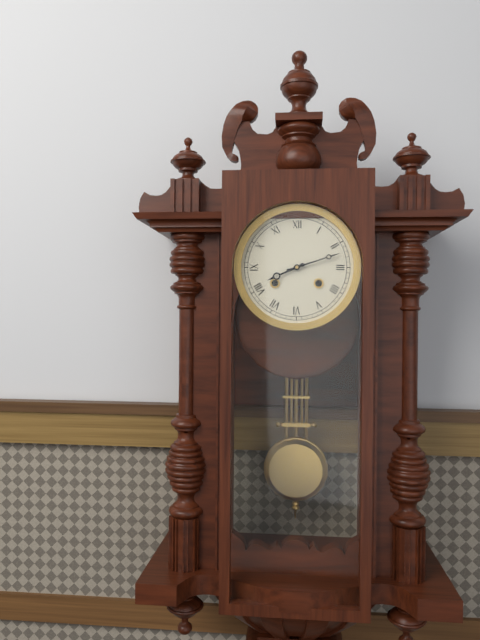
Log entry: 8:12
